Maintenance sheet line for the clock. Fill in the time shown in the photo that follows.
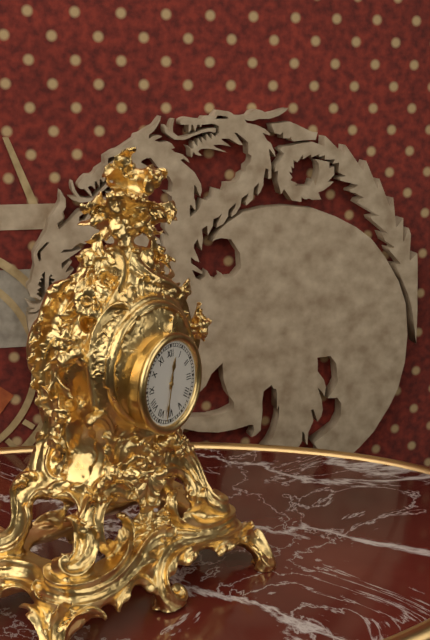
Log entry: 12:32
